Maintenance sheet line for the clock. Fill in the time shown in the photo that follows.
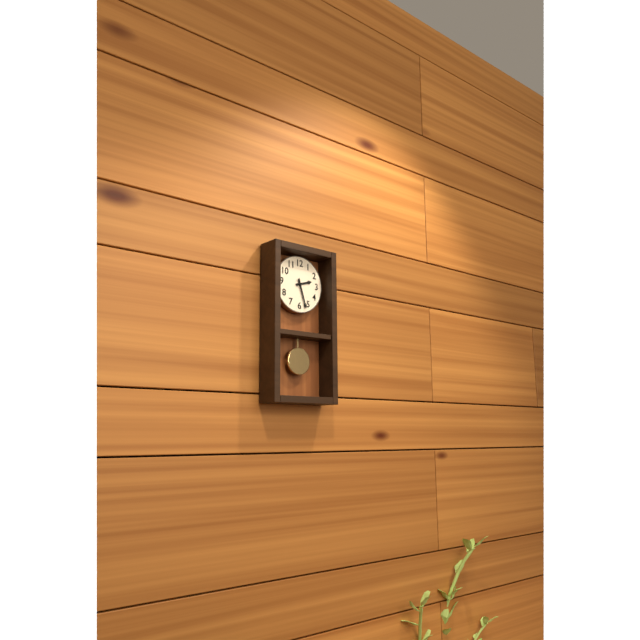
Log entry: 2:27
